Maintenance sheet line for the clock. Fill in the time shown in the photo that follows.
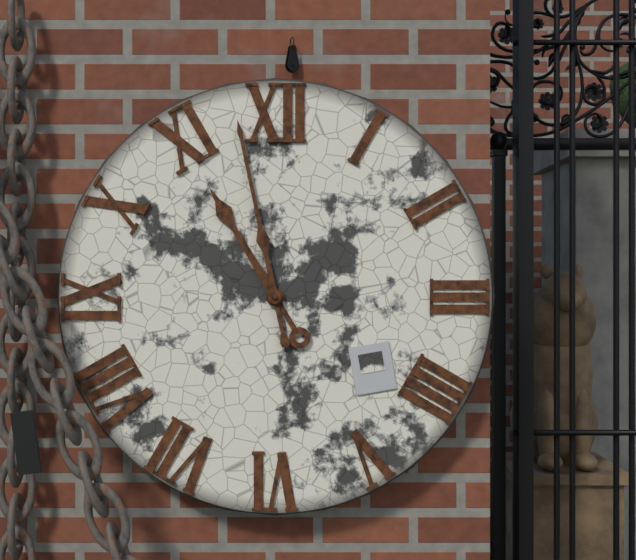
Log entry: 10:58
